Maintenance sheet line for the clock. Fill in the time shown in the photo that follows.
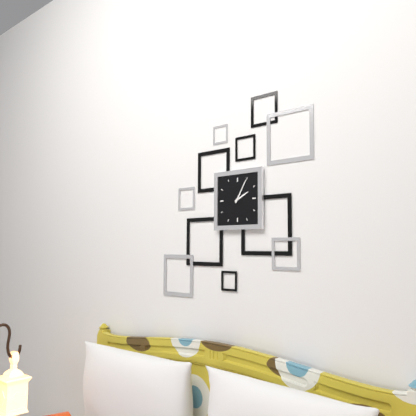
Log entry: 2:05
